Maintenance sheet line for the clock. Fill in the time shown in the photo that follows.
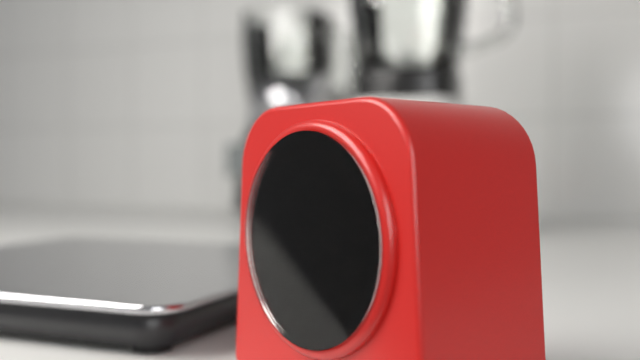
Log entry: 5:20
